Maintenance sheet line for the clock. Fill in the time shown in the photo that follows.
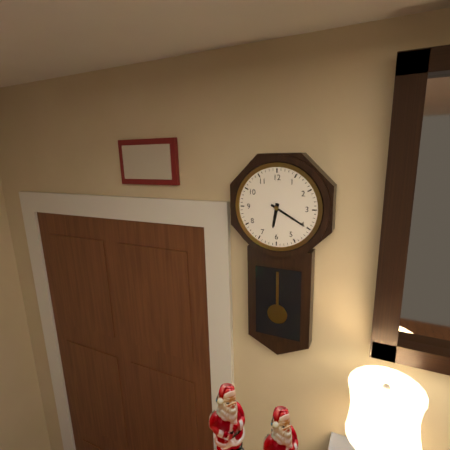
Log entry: 6:20
